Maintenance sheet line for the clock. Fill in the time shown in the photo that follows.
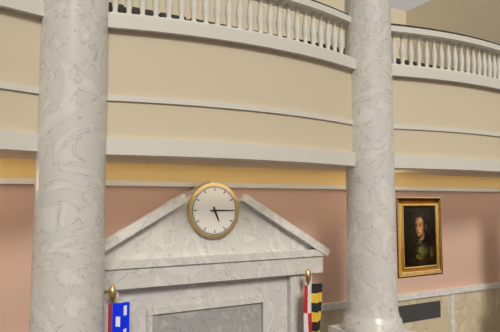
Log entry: 5:15
